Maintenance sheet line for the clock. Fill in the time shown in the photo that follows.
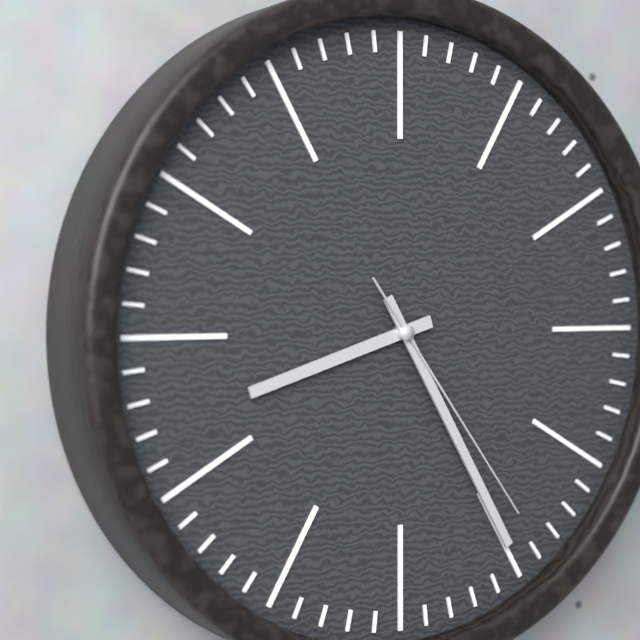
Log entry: 8:25:24
